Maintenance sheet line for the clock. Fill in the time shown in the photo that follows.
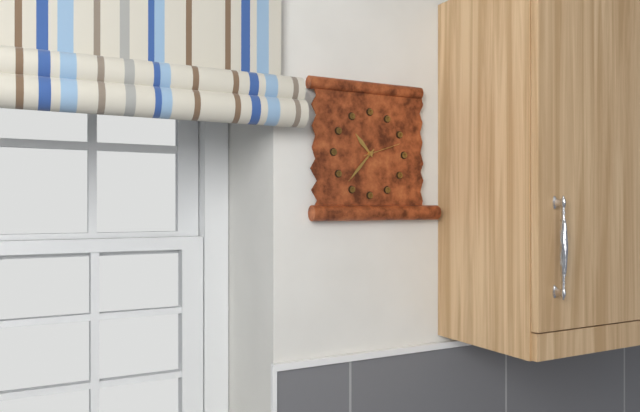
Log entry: 10:37
